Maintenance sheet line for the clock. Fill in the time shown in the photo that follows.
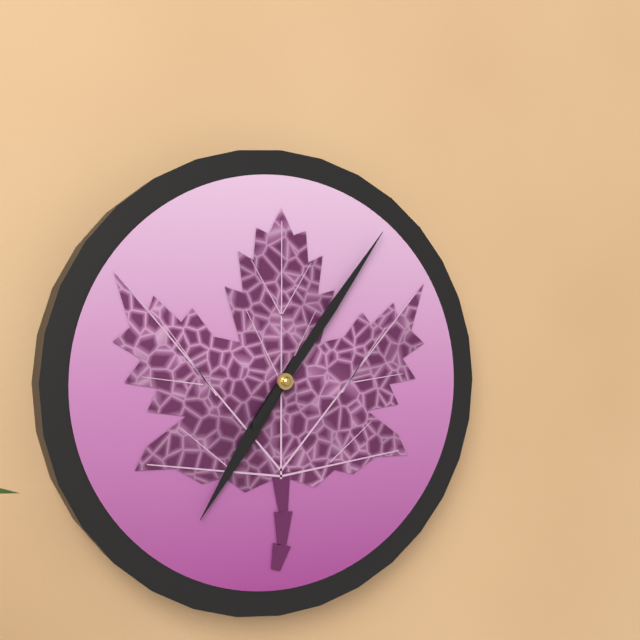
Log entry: 7:06
